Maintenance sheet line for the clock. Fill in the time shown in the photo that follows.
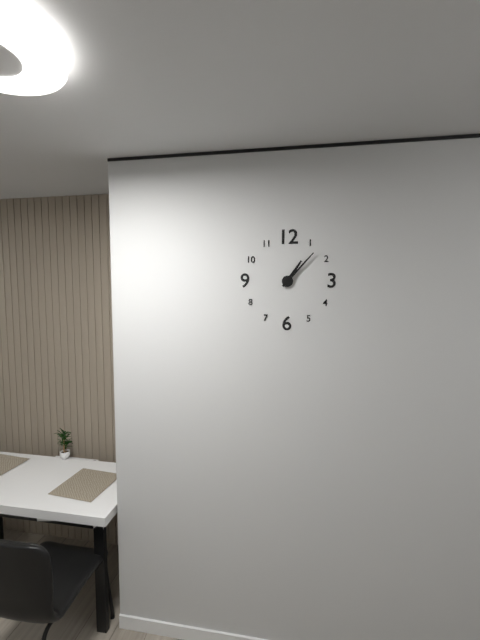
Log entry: 1:07
